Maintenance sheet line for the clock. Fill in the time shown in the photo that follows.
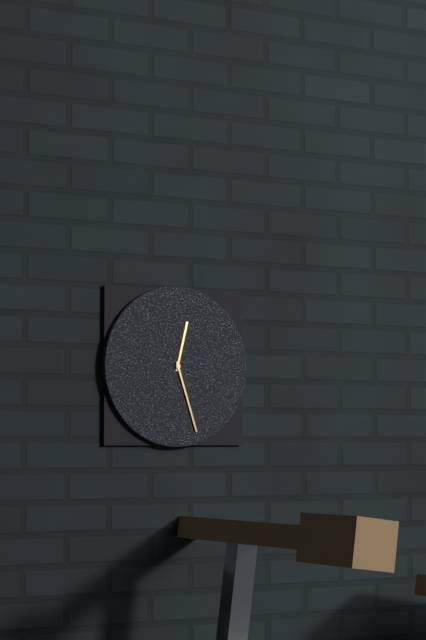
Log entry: 12:27
